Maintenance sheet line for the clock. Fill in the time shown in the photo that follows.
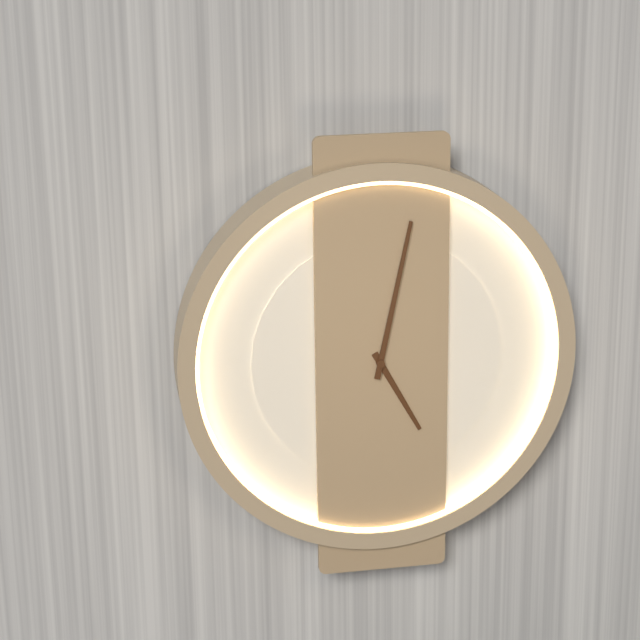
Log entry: 5:02
